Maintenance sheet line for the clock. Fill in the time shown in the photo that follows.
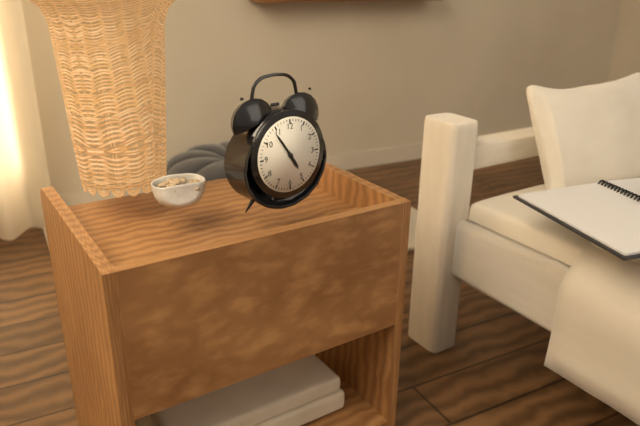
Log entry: 4:54
